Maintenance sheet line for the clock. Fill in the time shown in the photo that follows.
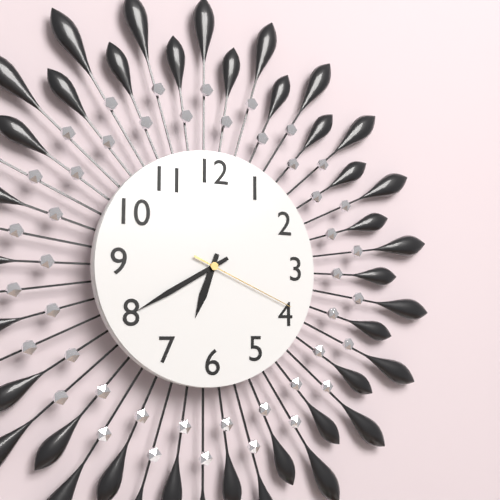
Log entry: 6:40:19
